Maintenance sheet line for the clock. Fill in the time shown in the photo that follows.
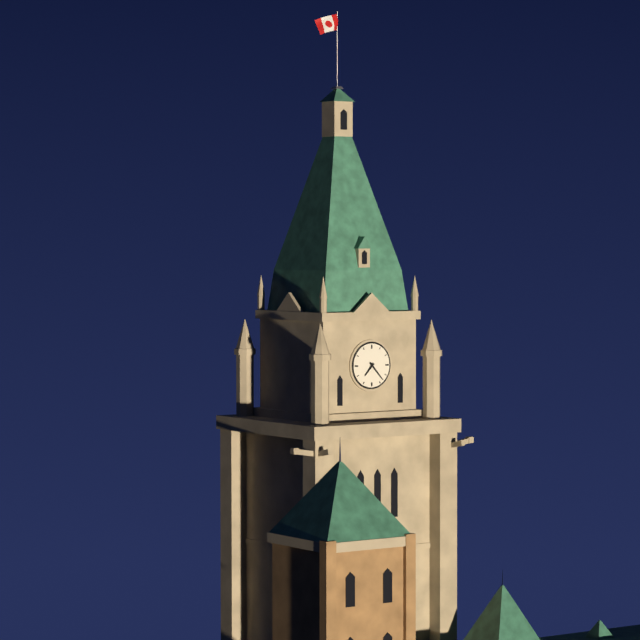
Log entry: 7:23
